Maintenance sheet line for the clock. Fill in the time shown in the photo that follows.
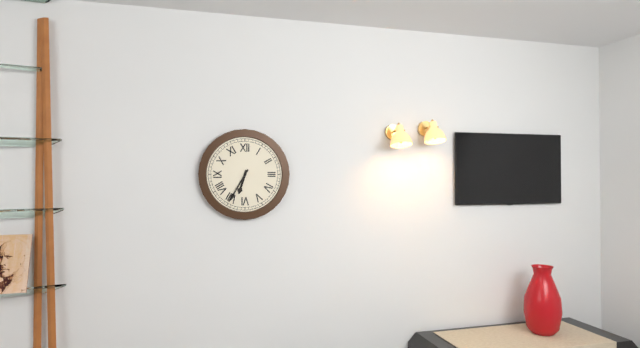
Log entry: 6:35
